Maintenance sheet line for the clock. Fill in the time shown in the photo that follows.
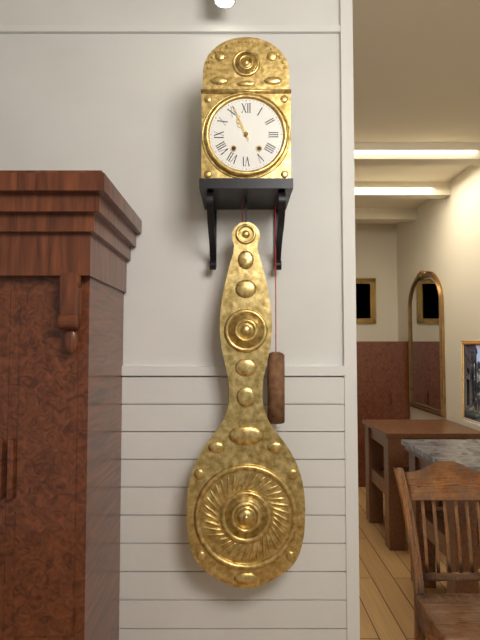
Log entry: 10:56
